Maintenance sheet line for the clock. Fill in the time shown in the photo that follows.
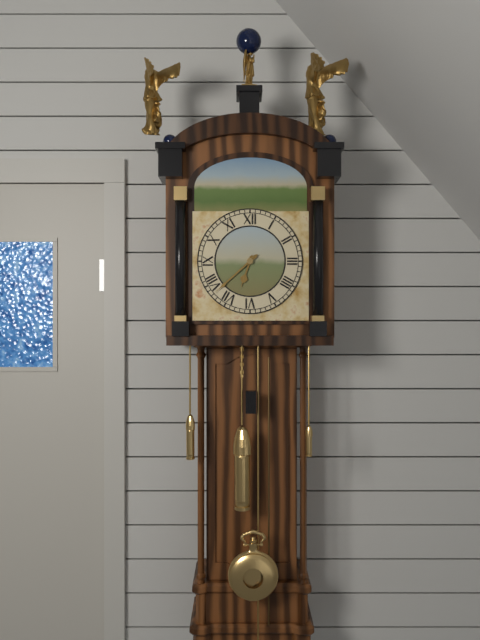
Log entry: 6:38
